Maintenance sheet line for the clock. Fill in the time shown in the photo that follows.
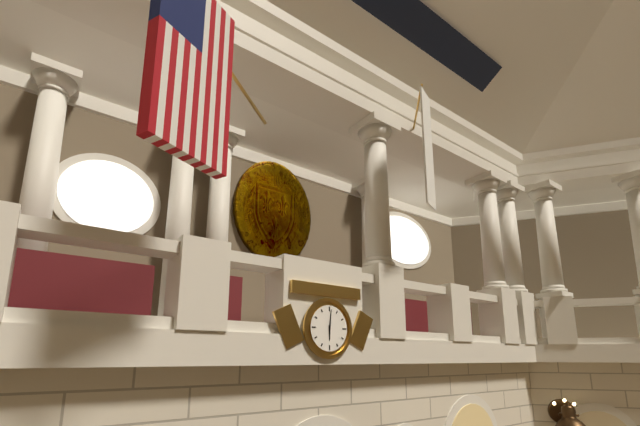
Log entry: 6:01
